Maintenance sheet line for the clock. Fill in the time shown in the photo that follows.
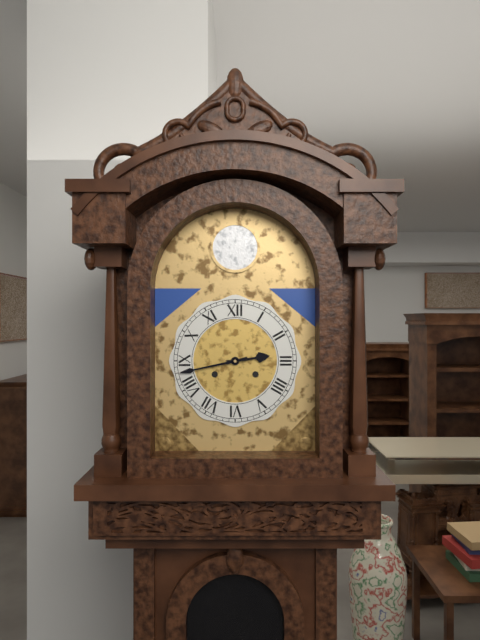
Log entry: 2:43
